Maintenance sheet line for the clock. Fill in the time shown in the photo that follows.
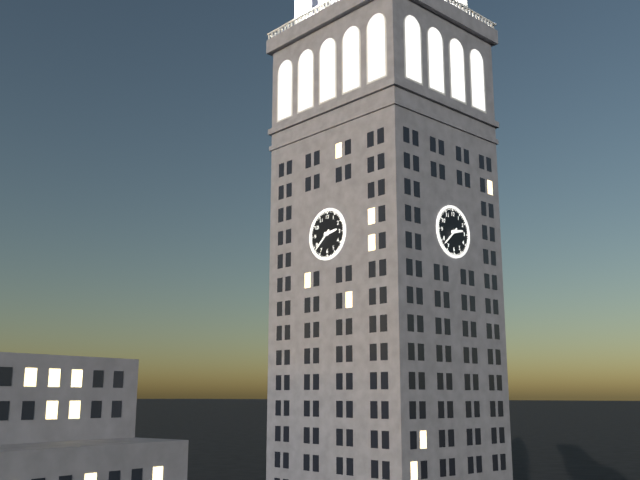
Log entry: 2:38
